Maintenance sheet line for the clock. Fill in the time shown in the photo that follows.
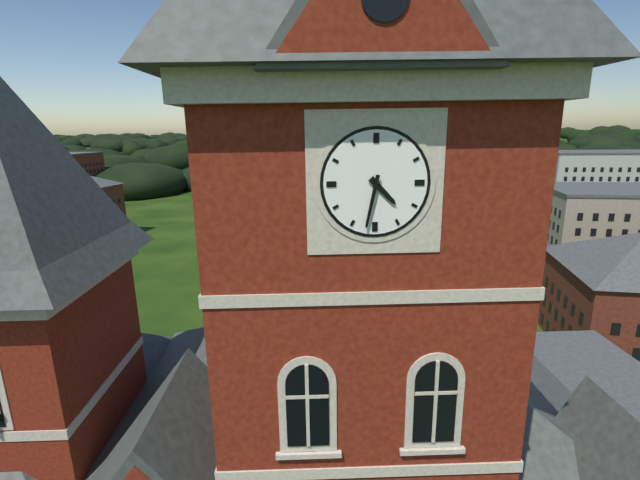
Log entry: 4:32
